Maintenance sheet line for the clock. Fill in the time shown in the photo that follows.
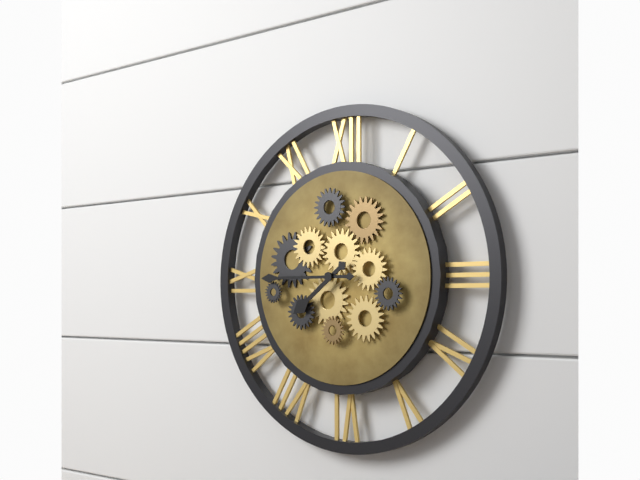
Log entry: 7:45
